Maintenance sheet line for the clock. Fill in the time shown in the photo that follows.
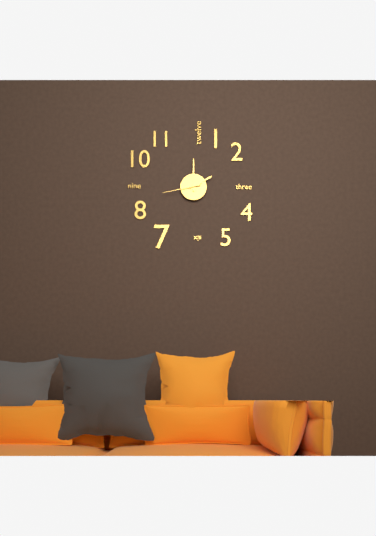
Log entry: 2:00
